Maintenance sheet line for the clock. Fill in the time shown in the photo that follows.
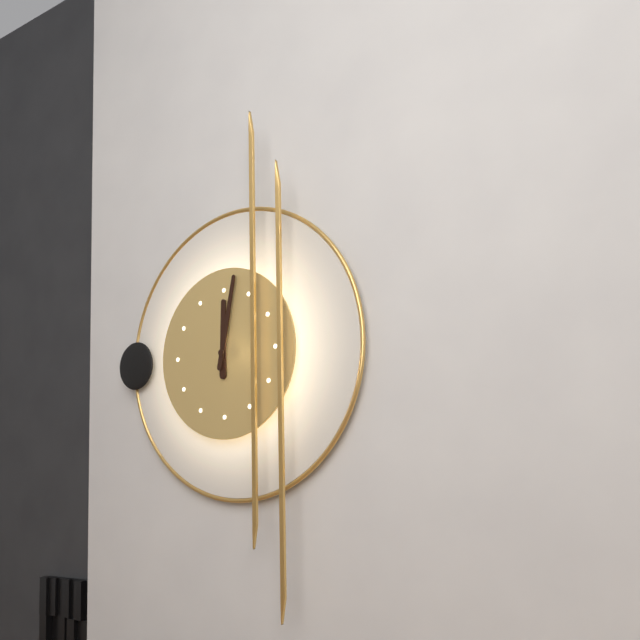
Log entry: 12:02
